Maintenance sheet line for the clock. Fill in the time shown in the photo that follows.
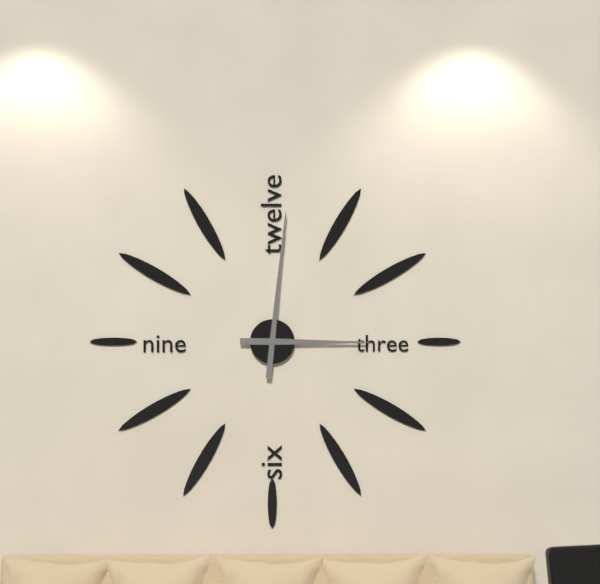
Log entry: 3:01
